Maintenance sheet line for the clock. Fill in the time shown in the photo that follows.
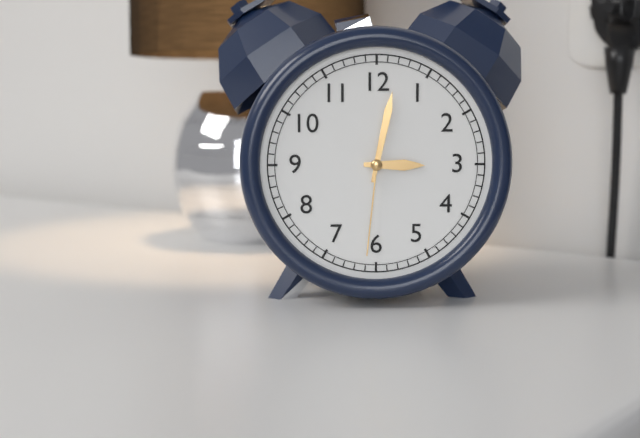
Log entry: 3:02:31
